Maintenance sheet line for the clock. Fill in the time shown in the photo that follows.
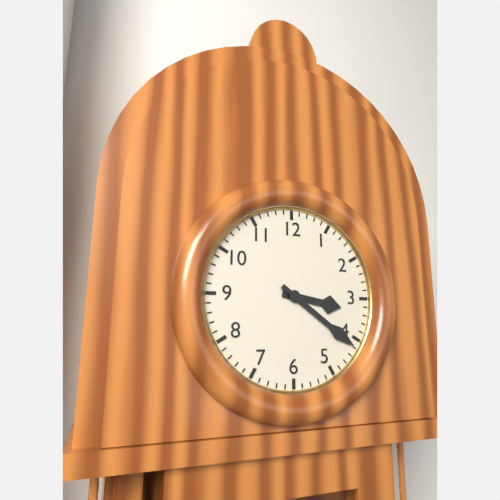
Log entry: 3:21
